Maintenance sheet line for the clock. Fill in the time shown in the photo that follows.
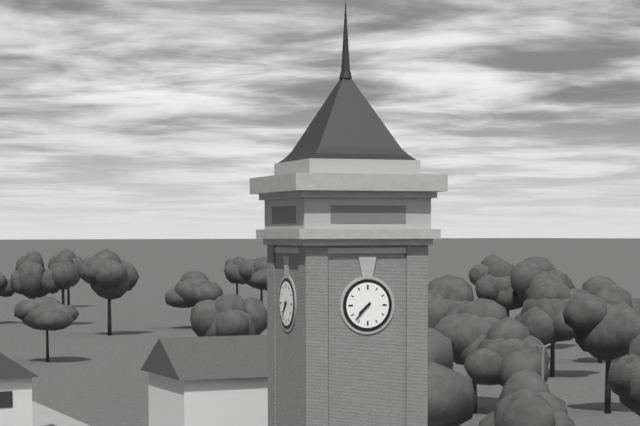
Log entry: 7:37
